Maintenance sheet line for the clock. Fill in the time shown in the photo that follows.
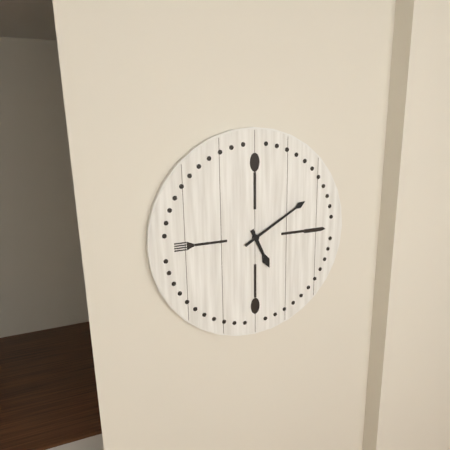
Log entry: 5:10
